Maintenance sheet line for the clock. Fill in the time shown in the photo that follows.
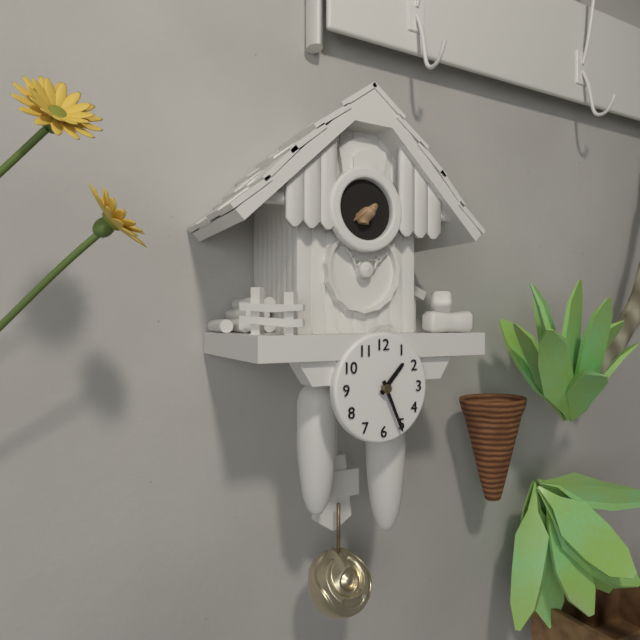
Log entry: 1:26
